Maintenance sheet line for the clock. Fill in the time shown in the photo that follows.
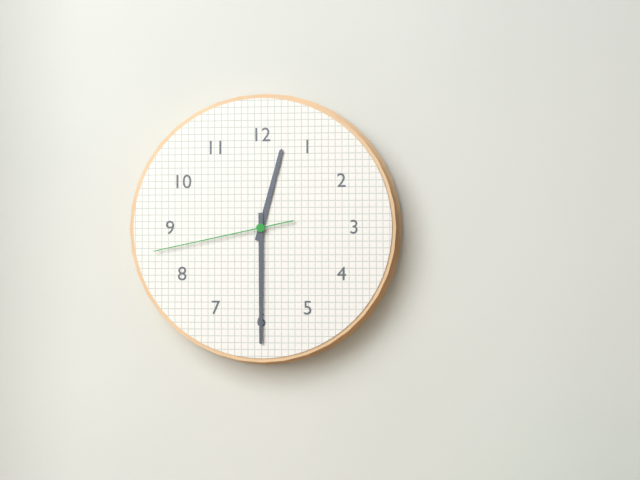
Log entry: 12:30:43
